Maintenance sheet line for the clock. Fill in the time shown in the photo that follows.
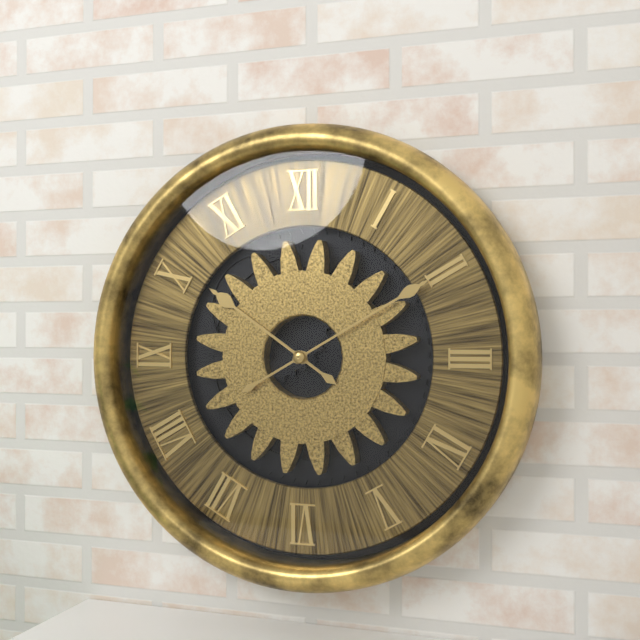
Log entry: 10:10
